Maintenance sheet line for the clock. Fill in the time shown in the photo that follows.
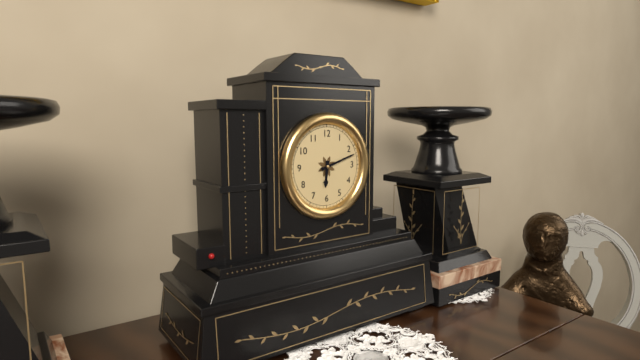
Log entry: 6:12
